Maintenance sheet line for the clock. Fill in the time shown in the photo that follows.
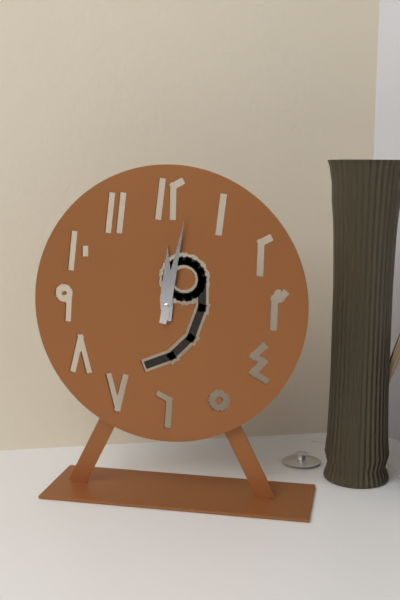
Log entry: 12:02
